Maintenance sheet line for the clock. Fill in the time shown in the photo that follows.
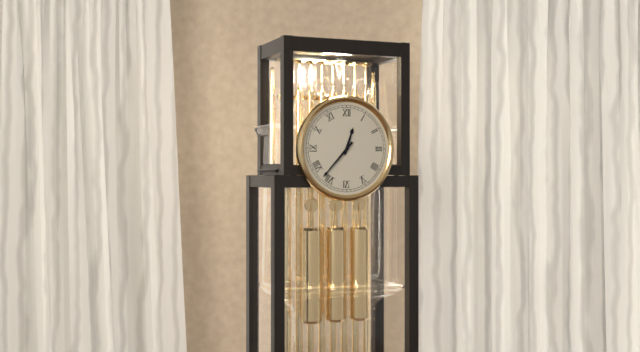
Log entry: 12:37
